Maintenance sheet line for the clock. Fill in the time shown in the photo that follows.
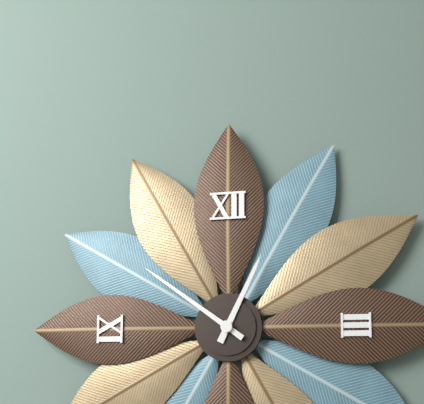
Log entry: 12:51
